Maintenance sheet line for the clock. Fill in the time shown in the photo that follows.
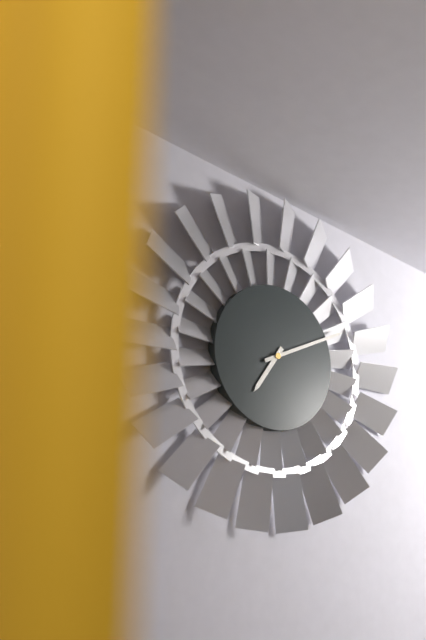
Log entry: 7:11
